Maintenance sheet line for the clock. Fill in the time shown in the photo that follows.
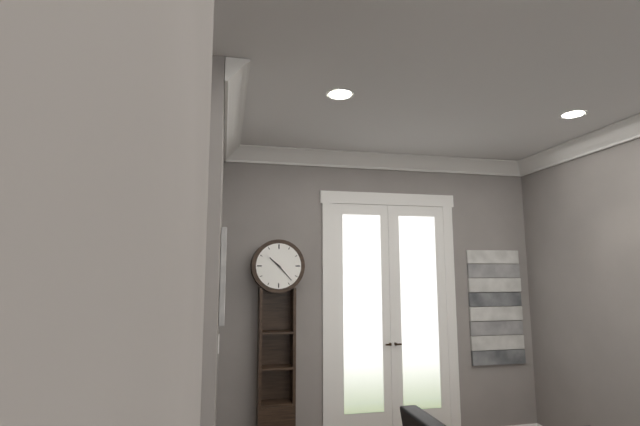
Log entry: 10:23
